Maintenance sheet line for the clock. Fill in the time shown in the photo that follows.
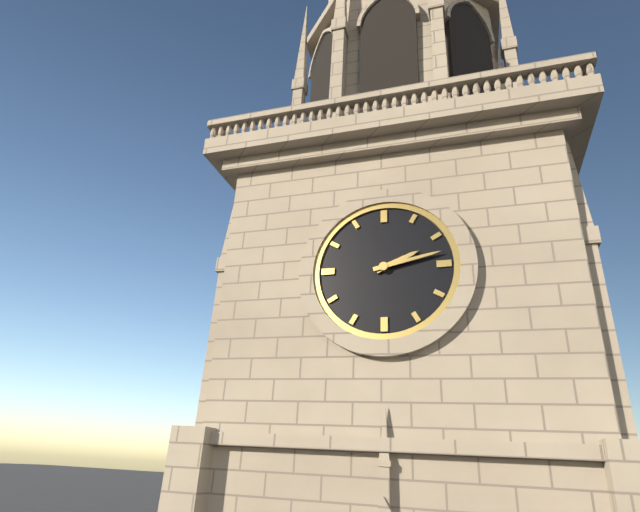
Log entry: 2:13
